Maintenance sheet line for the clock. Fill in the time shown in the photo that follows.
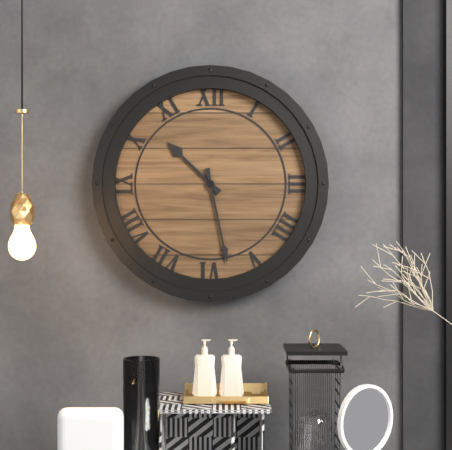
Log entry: 10:28
